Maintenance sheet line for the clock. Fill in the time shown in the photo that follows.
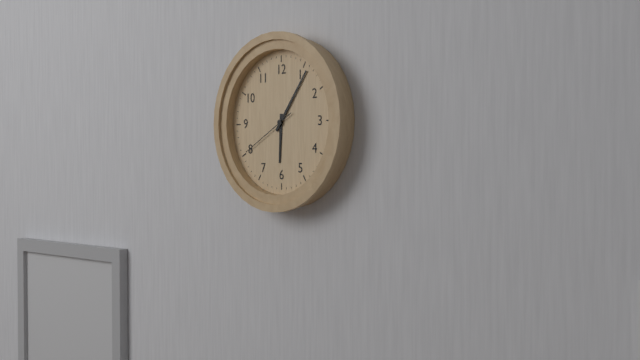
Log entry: 6:06:40
